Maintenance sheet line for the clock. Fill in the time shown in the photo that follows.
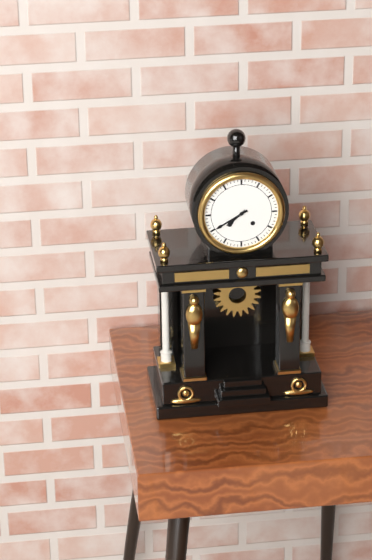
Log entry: 7:40
